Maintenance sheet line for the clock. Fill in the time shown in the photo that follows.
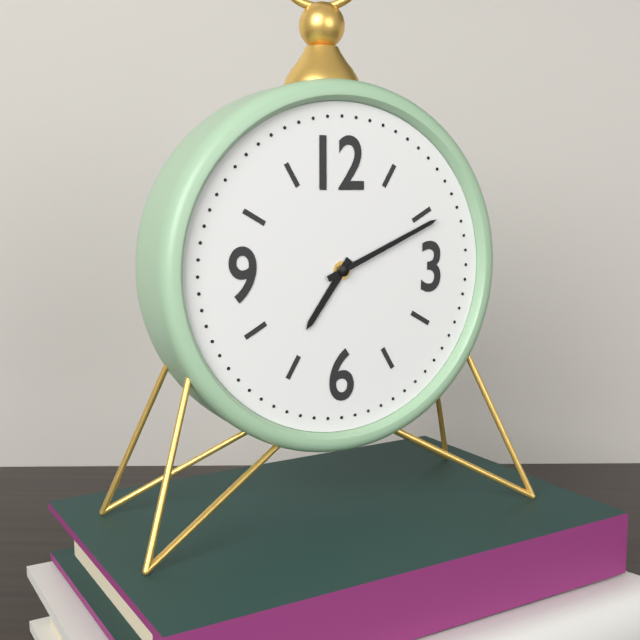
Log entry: 7:11
